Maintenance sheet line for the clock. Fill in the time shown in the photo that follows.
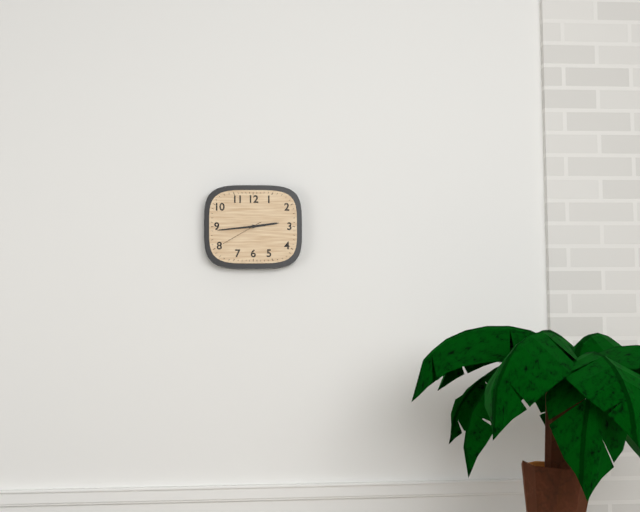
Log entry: 2:44
